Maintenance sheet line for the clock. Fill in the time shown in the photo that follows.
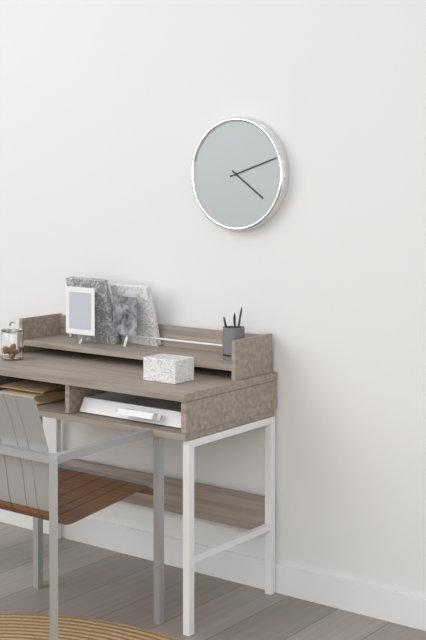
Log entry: 4:12
